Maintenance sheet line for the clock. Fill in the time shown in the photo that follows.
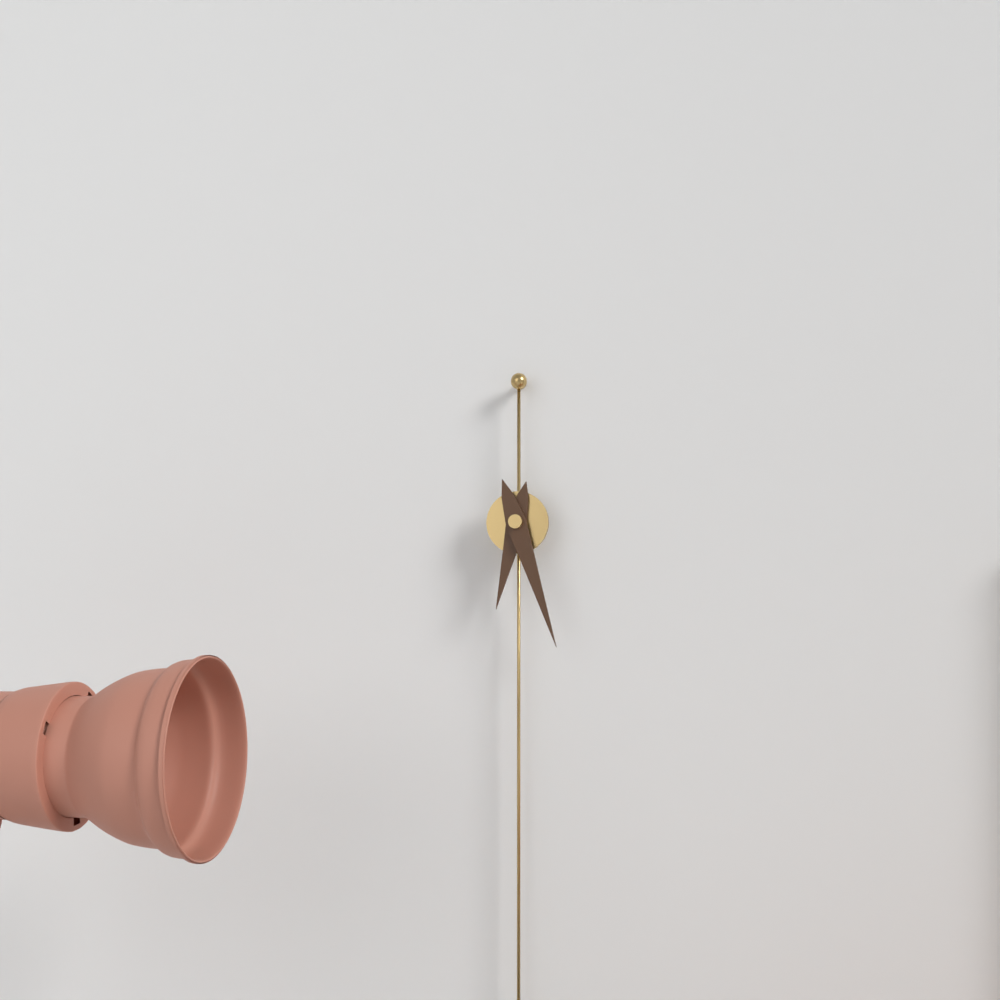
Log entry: 6:27
